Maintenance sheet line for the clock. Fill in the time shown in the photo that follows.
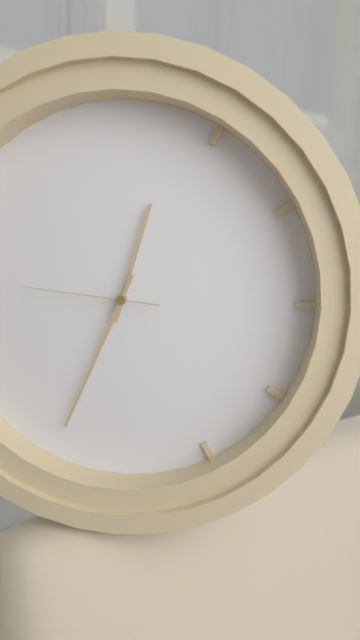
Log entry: 12:34:46
